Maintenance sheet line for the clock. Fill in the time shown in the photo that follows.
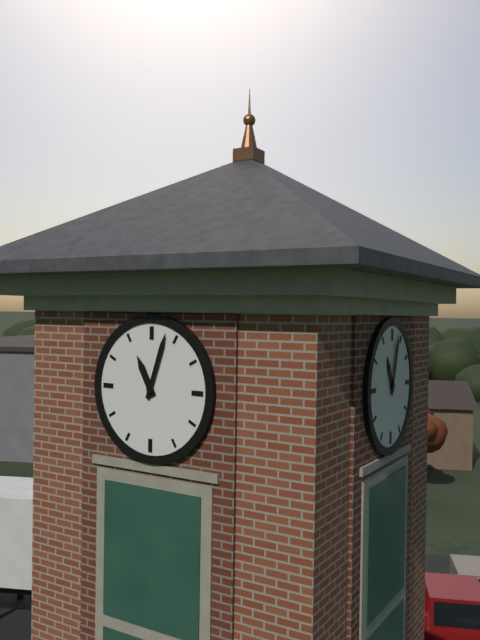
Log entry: 11:03
